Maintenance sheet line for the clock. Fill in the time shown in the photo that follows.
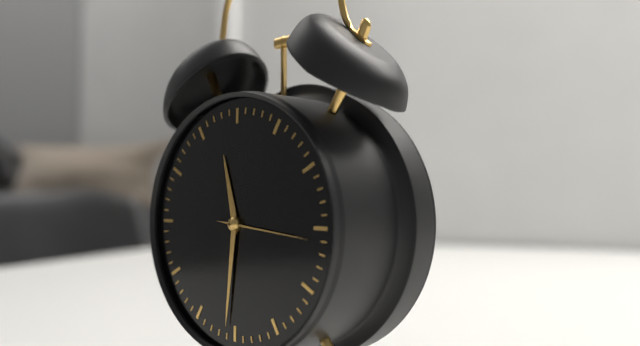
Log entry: 11:31:16
